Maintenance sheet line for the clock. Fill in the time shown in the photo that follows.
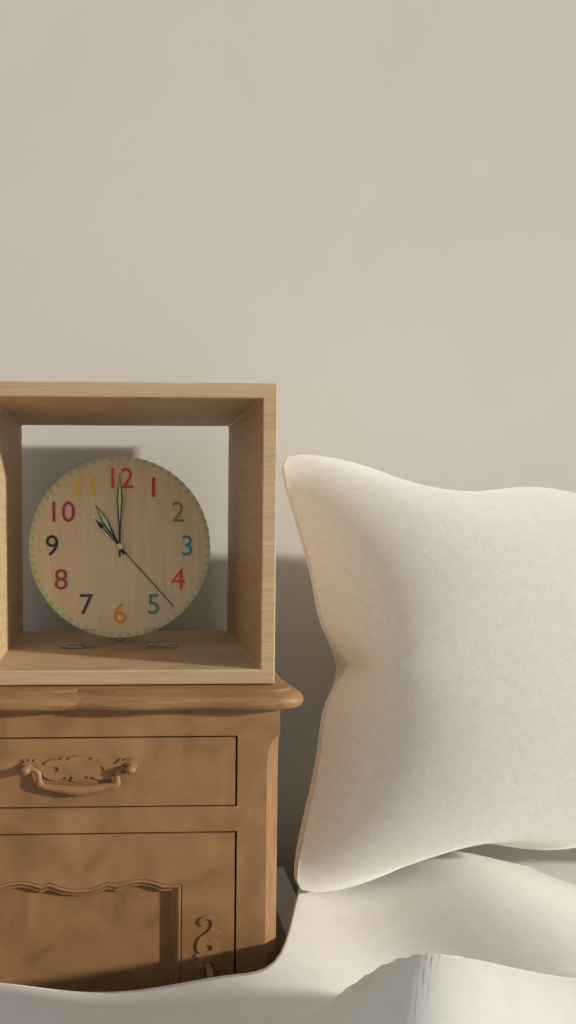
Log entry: 11:00:23
